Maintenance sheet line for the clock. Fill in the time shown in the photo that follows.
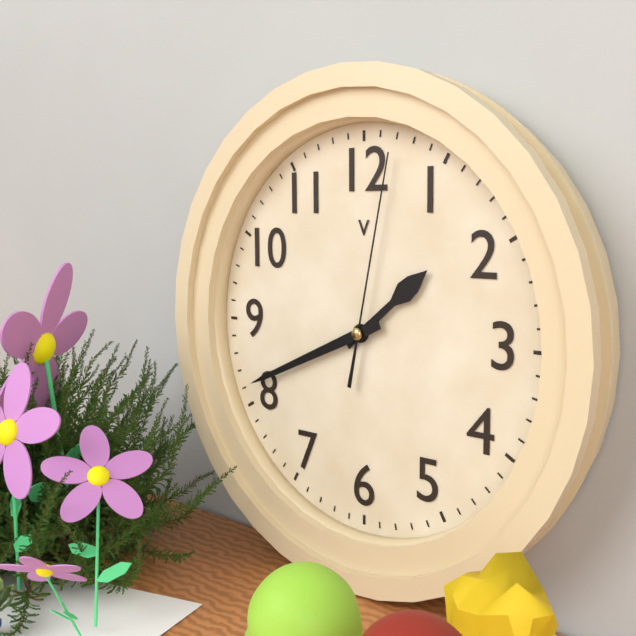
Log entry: 1:41:02
